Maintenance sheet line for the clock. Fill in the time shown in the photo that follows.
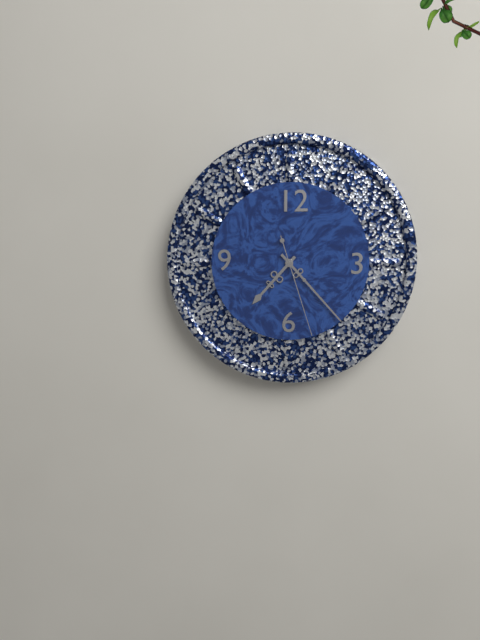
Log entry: 7:23:27
